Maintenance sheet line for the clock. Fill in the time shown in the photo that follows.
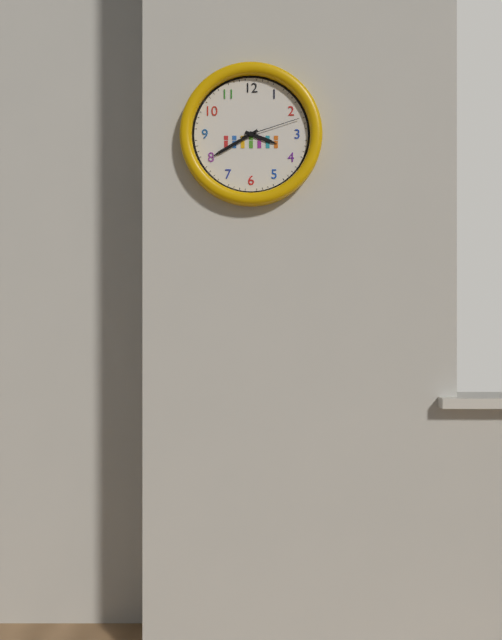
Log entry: 3:40:12
